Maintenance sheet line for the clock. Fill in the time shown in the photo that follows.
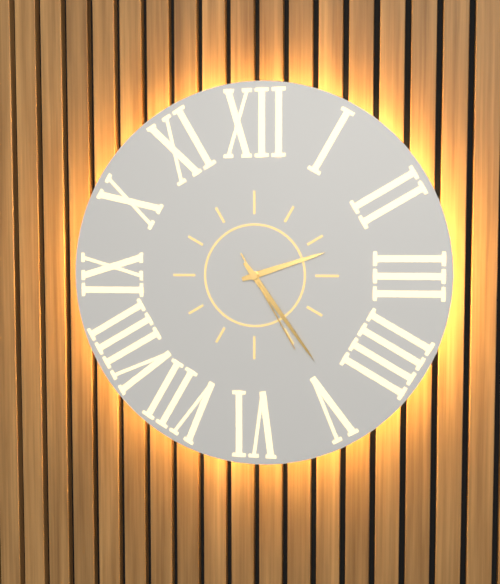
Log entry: 2:24:25
